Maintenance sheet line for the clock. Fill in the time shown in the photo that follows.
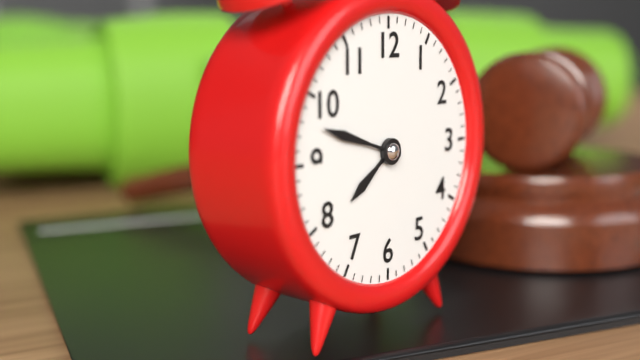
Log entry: 7:48
